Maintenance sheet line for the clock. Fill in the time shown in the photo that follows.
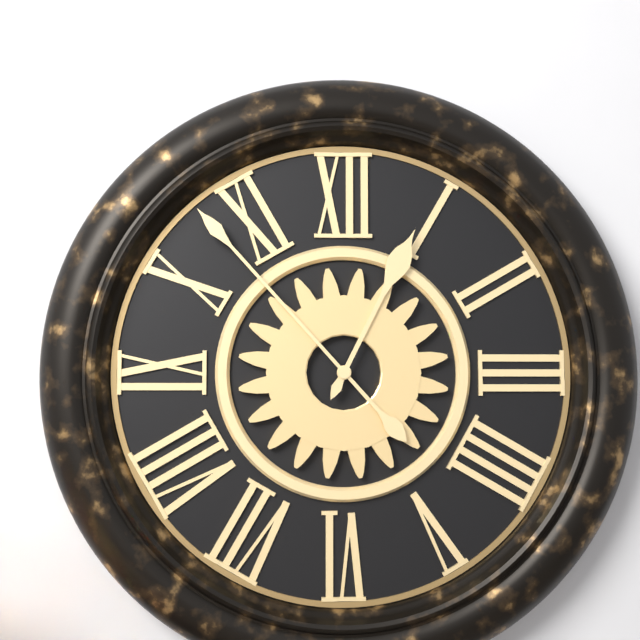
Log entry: 12:53
